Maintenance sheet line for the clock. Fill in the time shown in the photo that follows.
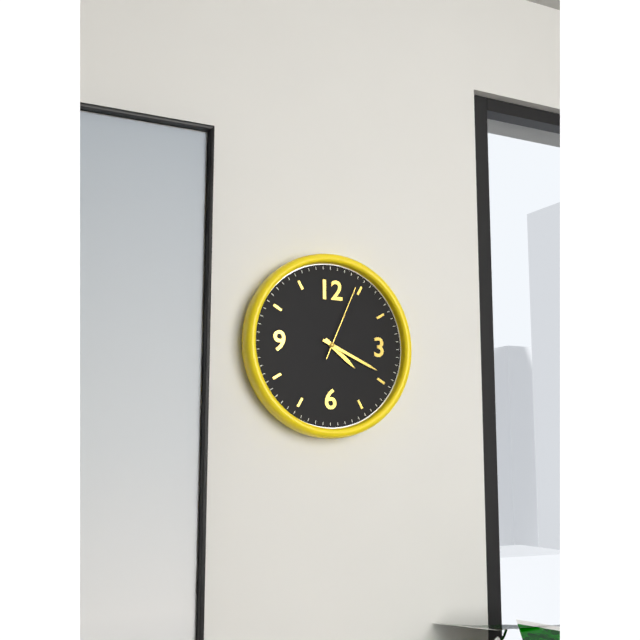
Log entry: 4:19:04
